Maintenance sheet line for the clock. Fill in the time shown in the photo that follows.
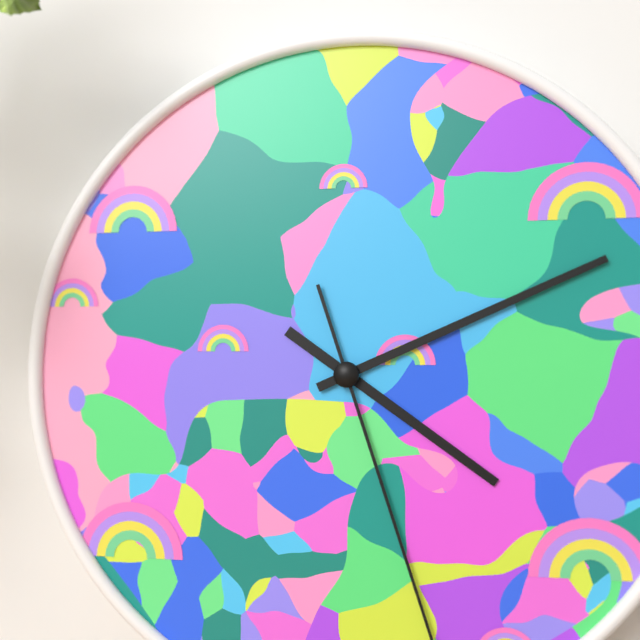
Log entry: 4:11
